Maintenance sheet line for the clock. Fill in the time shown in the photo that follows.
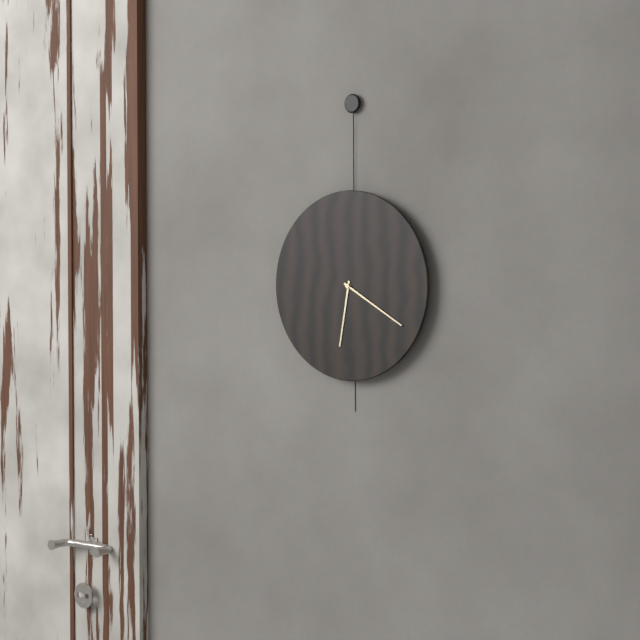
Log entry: 6:20
